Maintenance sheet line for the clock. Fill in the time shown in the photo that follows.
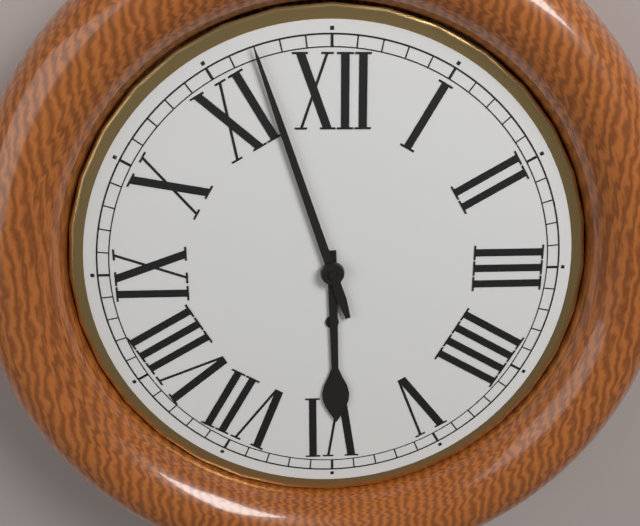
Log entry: 5:57
